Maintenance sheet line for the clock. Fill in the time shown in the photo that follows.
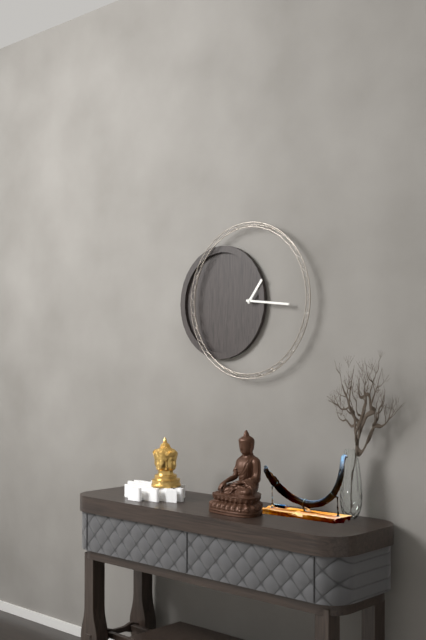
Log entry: 1:16
